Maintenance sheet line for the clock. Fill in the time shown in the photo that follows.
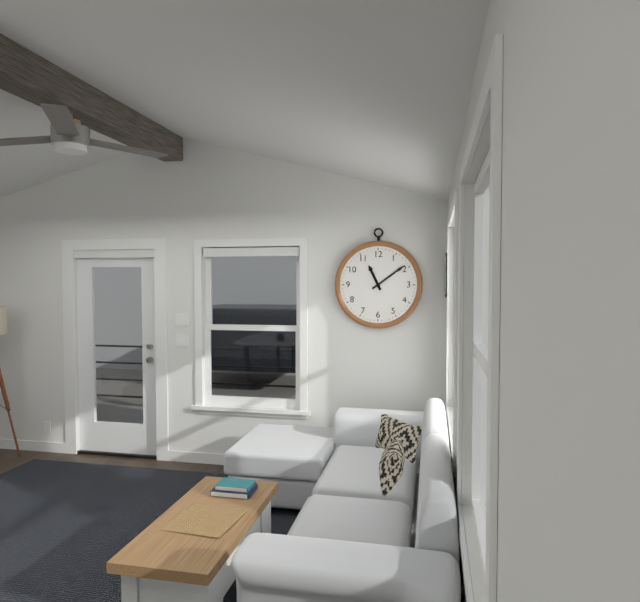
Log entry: 11:09
